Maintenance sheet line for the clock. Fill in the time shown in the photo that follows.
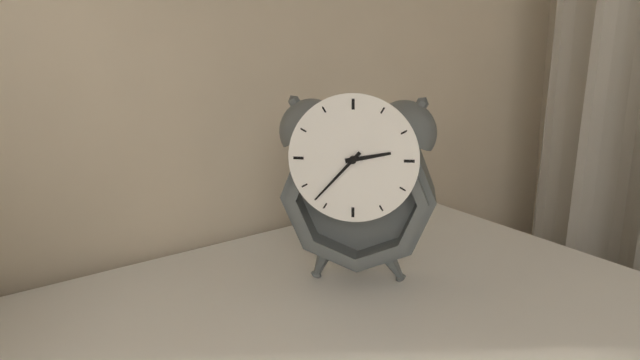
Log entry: 2:37
